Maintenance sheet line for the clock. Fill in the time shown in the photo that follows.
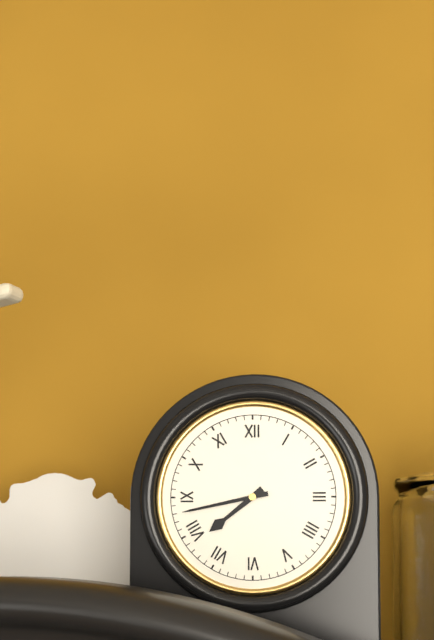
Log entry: 7:43
